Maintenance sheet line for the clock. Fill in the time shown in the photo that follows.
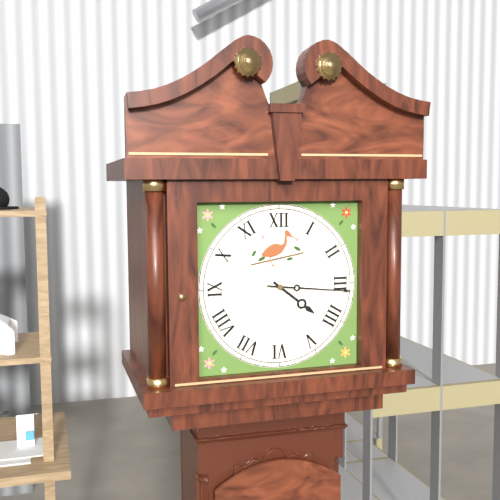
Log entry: 4:16
